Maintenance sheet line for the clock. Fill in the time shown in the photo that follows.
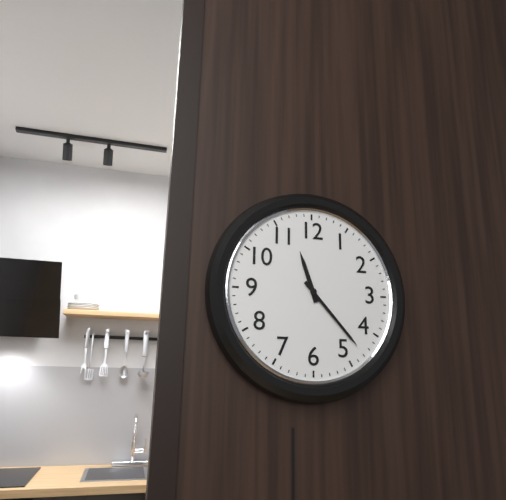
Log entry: 11:23
